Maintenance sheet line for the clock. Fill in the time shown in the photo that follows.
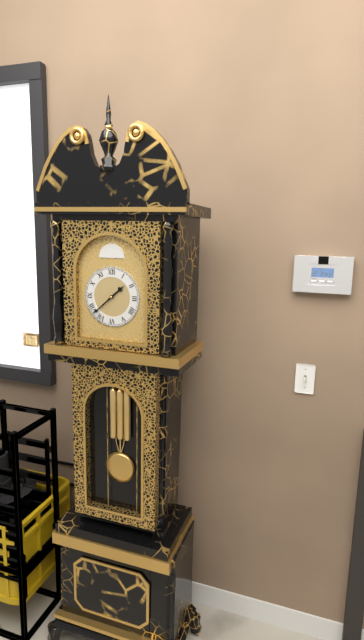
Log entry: 1:38
